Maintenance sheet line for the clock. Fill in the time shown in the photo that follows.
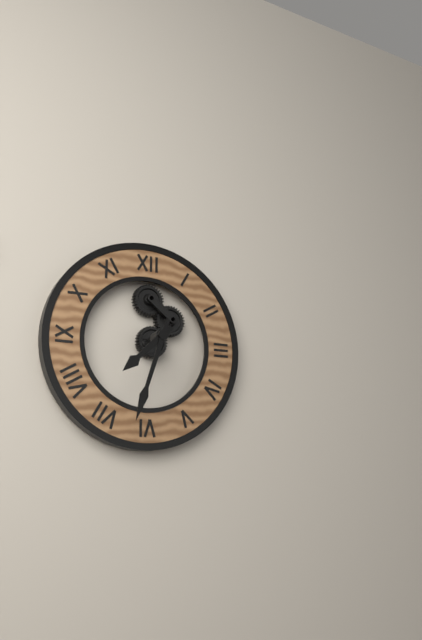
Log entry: 7:33
